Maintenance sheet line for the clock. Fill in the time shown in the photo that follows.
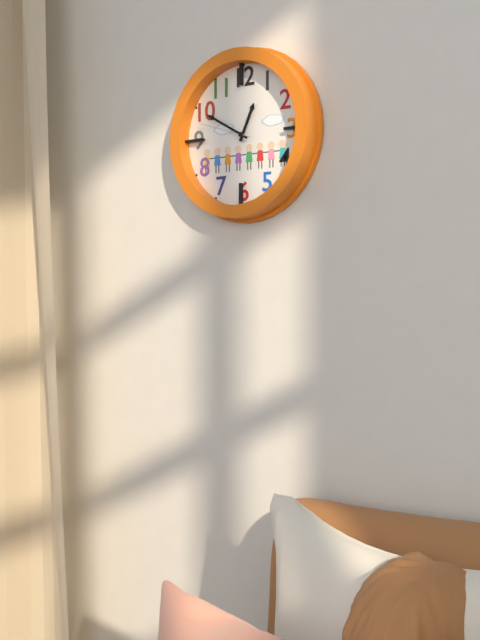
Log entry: 12:50:48
